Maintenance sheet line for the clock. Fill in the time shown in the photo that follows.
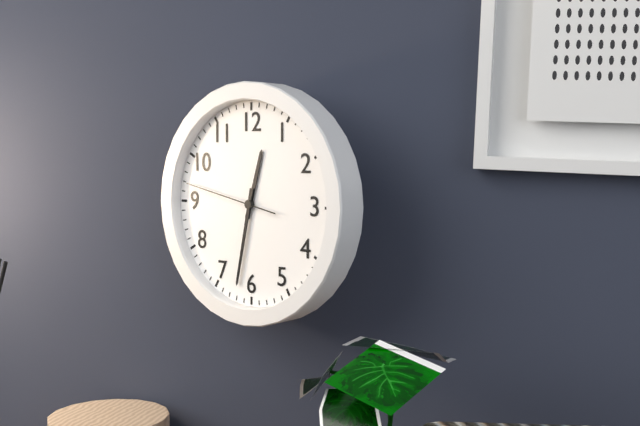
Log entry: 12:32:47
